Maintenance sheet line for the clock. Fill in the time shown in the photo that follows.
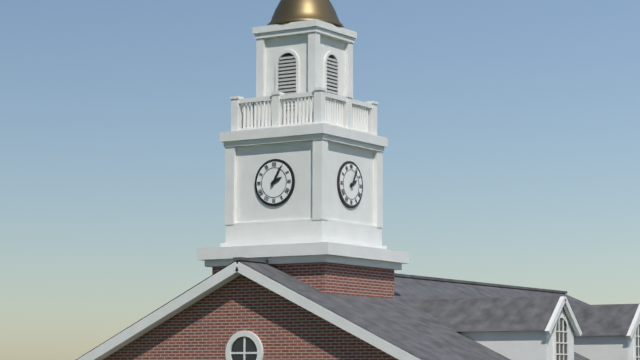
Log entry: 2:05
